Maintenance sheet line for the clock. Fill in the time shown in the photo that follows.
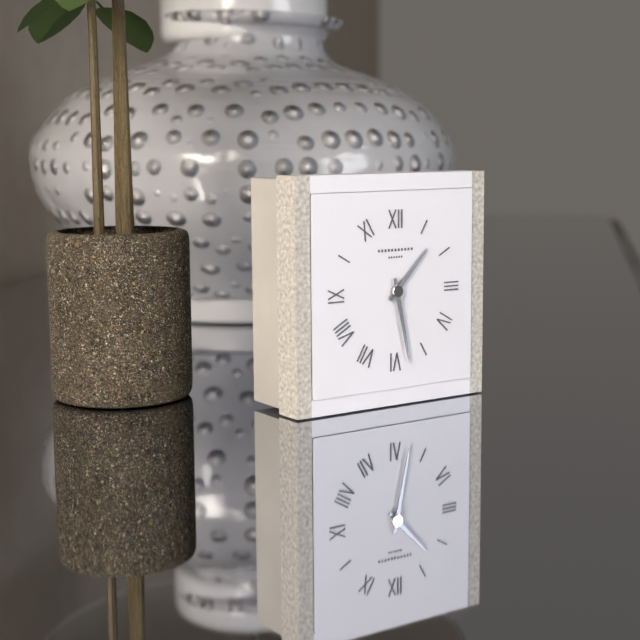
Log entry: 1:28
